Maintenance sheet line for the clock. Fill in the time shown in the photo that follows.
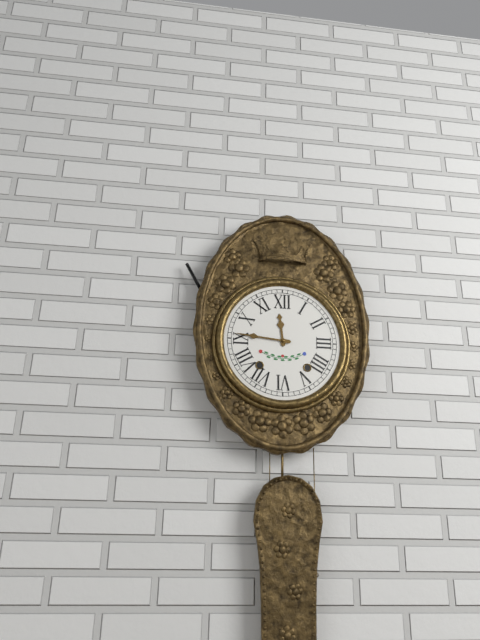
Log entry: 11:46
